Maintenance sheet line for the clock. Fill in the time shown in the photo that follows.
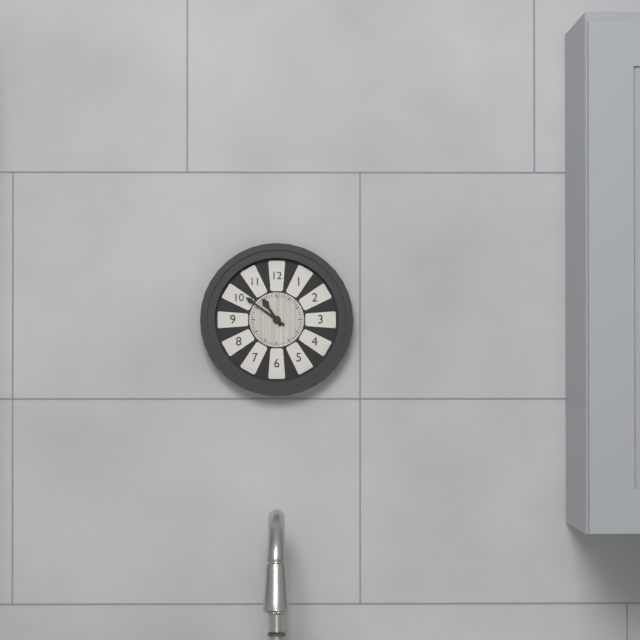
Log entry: 10:51
